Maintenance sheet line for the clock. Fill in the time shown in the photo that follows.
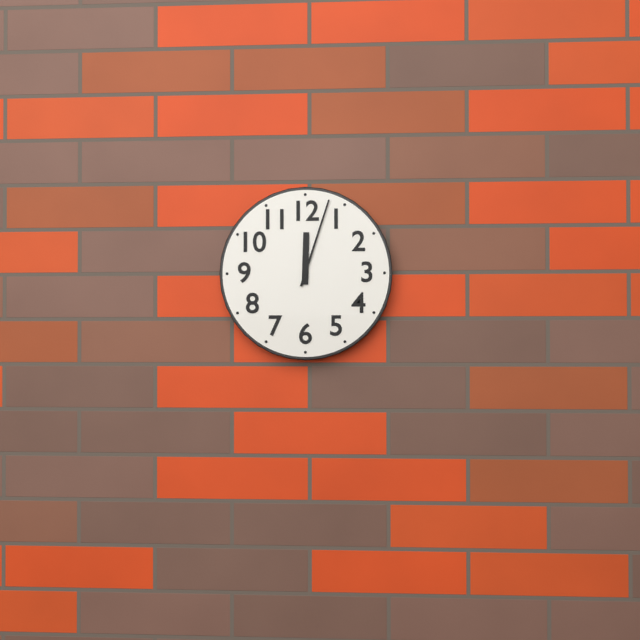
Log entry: 12:03
